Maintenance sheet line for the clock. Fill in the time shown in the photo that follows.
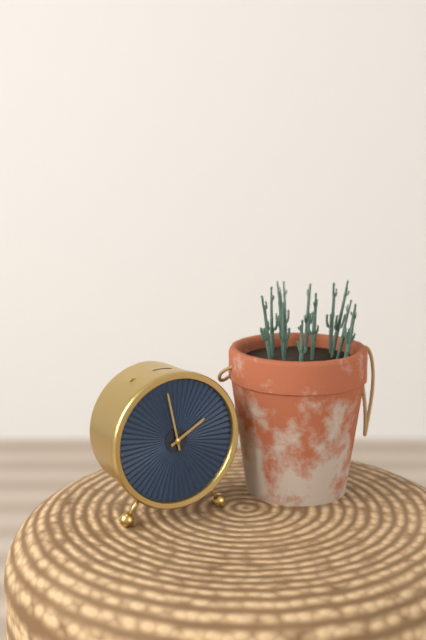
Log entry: 1:58
